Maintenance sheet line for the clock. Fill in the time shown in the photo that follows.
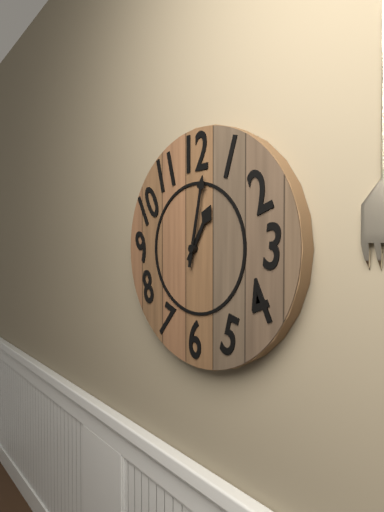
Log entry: 1:02
